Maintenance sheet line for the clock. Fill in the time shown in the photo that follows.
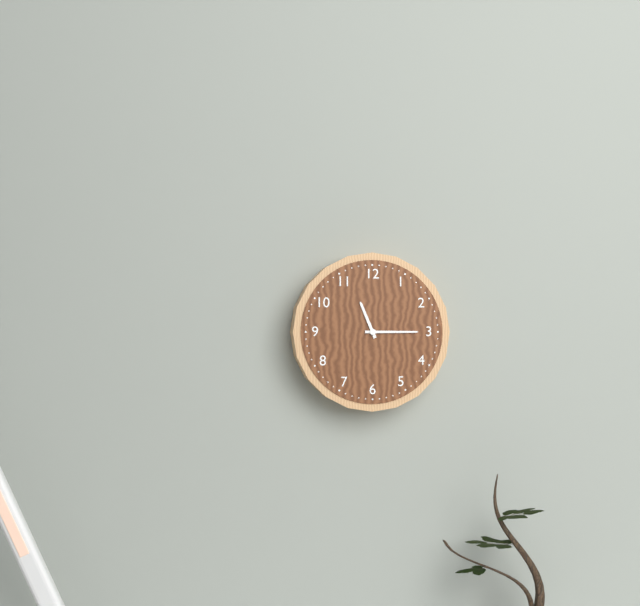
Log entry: 11:15
